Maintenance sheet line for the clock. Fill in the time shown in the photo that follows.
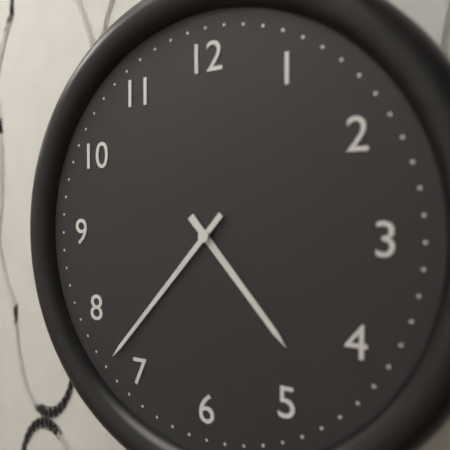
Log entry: 4:37
